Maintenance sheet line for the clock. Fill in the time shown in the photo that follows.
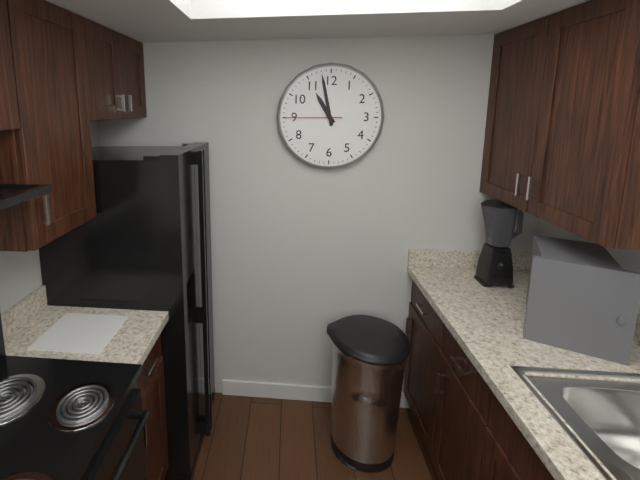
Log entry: 10:58:45
